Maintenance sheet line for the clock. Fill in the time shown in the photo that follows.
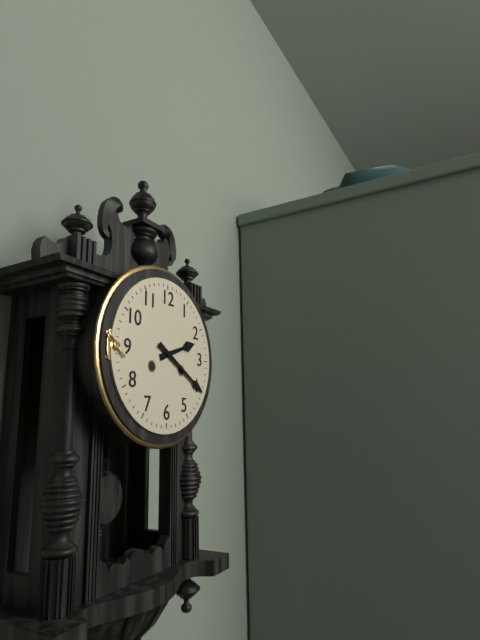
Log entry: 2:20
